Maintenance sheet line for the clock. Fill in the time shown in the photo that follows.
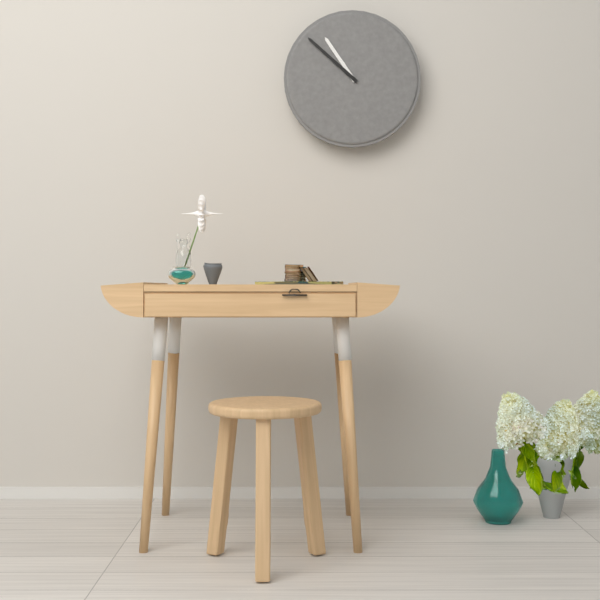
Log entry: 10:52
